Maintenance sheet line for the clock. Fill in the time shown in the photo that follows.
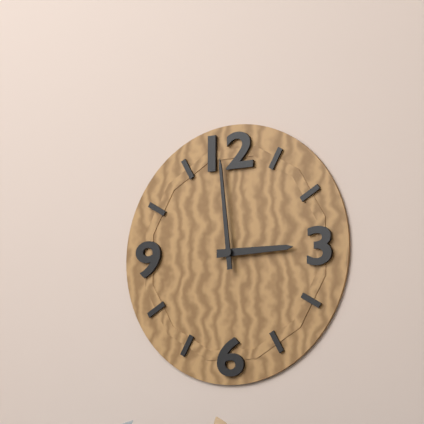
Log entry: 2:59
